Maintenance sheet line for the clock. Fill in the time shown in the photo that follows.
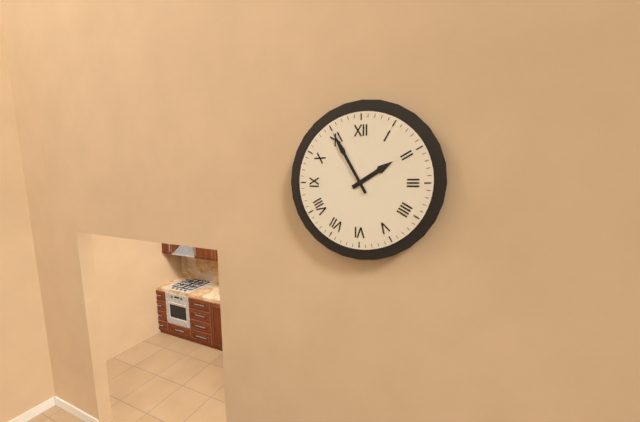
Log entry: 1:55
